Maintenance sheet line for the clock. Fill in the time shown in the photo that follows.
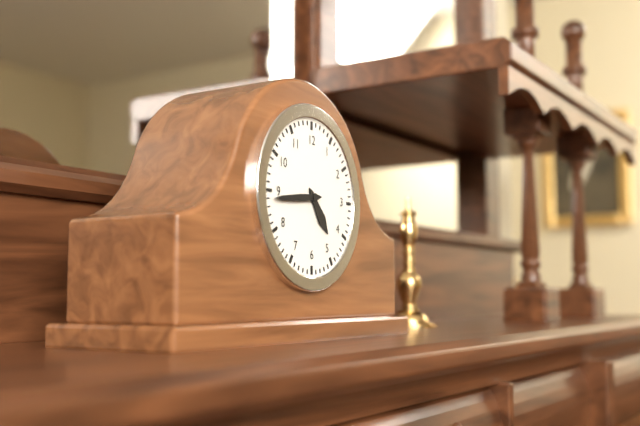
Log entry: 4:44
